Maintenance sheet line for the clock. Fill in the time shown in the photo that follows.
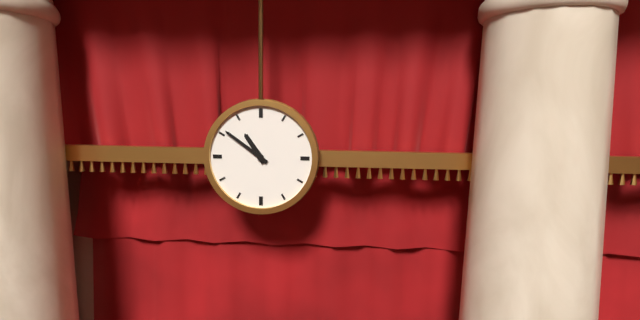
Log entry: 10:51
